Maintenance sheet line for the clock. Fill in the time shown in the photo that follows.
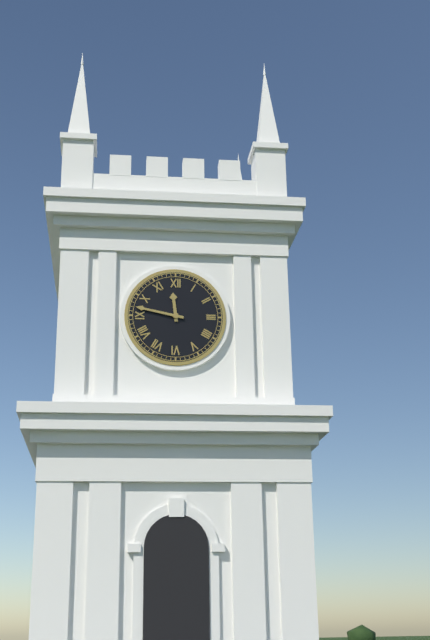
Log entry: 11:47
